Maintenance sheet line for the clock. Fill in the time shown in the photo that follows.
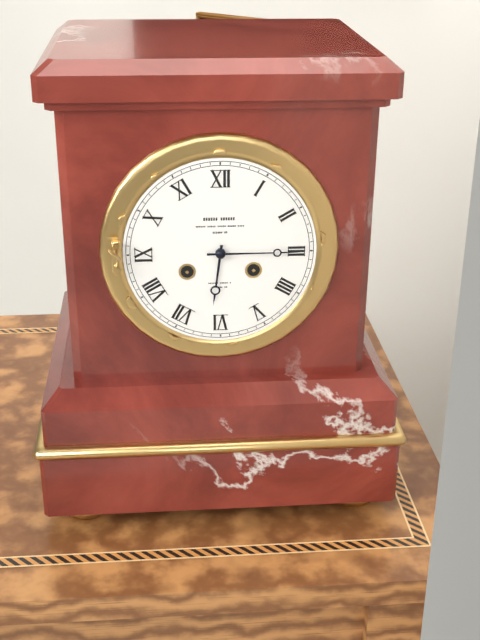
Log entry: 6:15
